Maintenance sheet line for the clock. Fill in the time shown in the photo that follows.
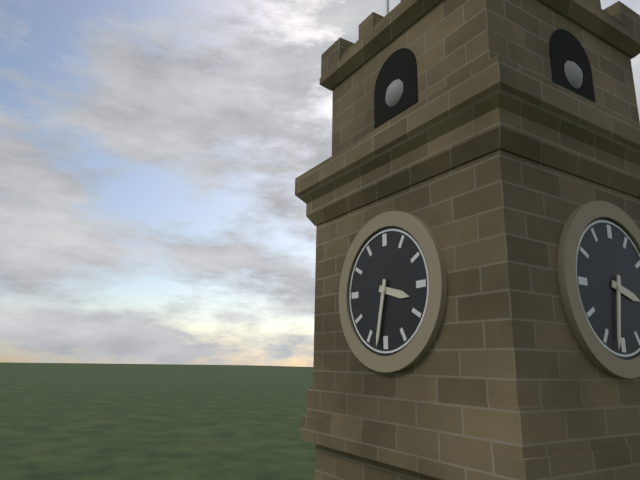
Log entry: 3:32
